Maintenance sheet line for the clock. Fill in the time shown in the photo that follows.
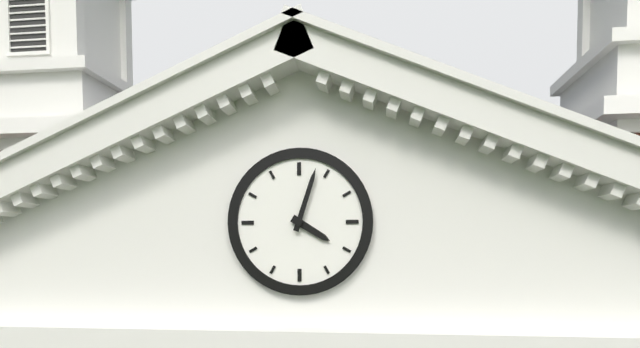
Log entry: 4:03
